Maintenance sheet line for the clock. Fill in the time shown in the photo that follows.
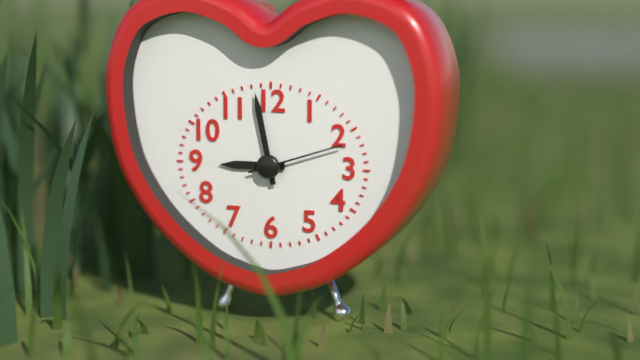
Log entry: 8:58:12
